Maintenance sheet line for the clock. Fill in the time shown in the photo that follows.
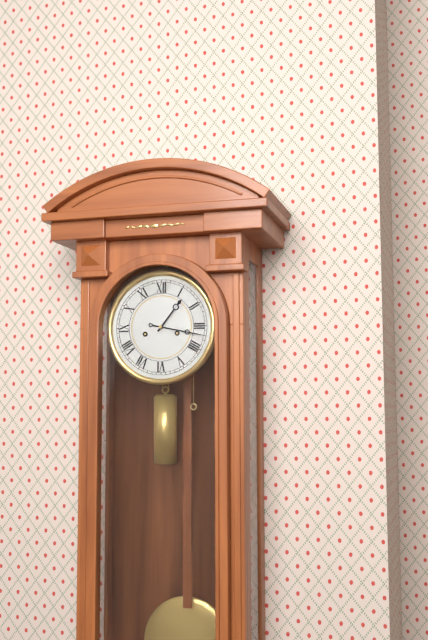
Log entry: 1:17
